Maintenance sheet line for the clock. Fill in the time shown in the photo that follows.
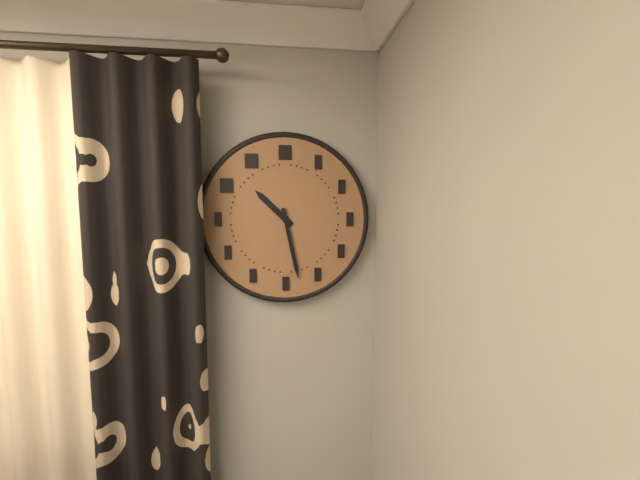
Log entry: 10:28
